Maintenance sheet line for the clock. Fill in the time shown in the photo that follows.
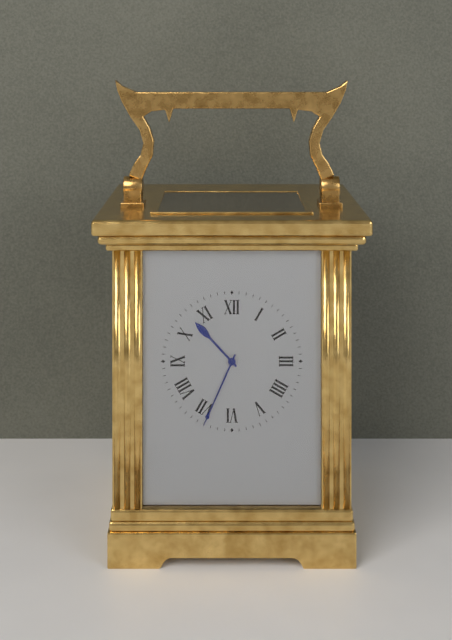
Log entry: 10:34
